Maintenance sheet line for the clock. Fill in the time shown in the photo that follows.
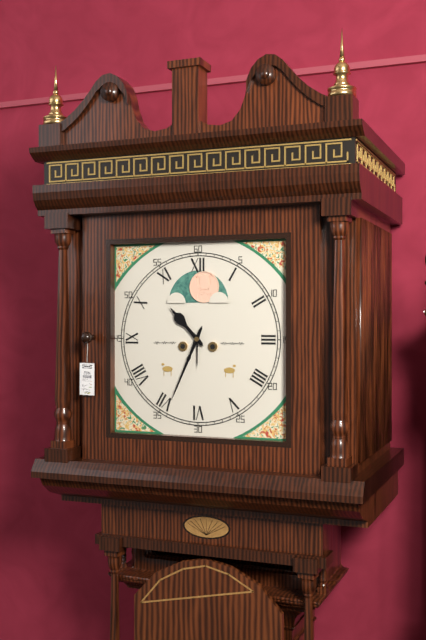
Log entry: 10:34
